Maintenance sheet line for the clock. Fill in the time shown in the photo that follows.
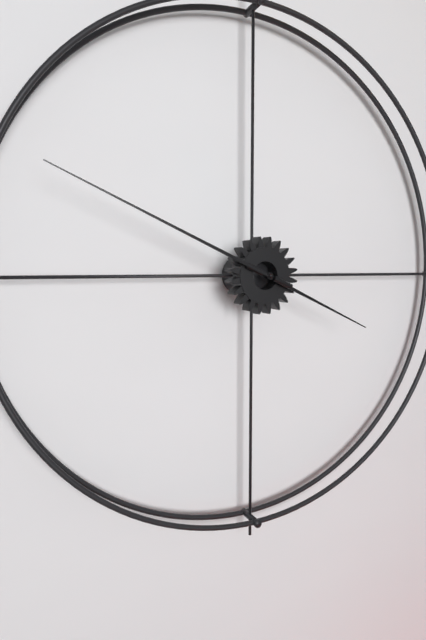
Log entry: 3:49
